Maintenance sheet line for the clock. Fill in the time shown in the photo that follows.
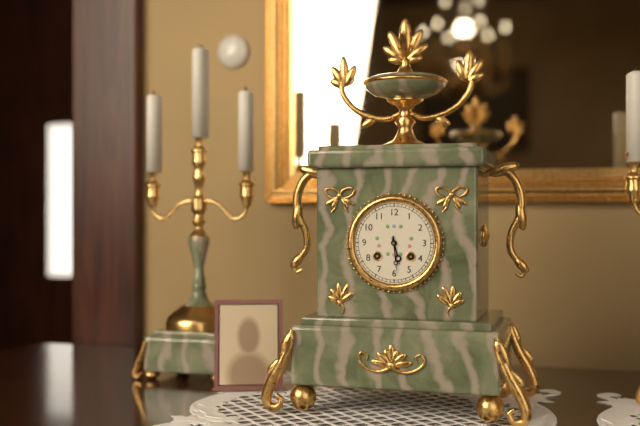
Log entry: 5:29
